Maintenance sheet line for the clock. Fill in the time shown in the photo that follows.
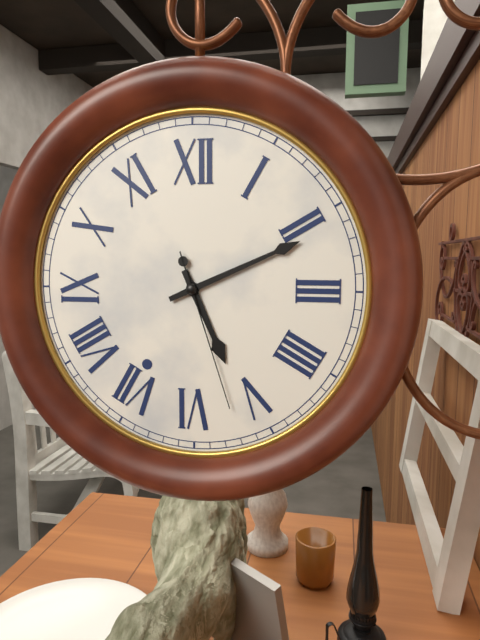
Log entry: 5:11:27
